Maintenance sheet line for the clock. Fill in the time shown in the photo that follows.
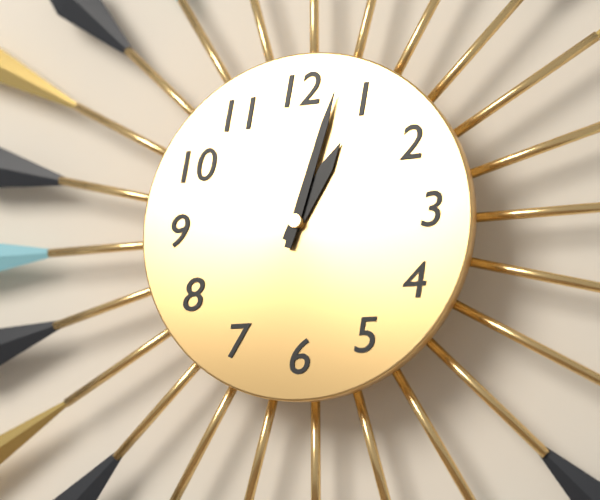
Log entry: 1:03
